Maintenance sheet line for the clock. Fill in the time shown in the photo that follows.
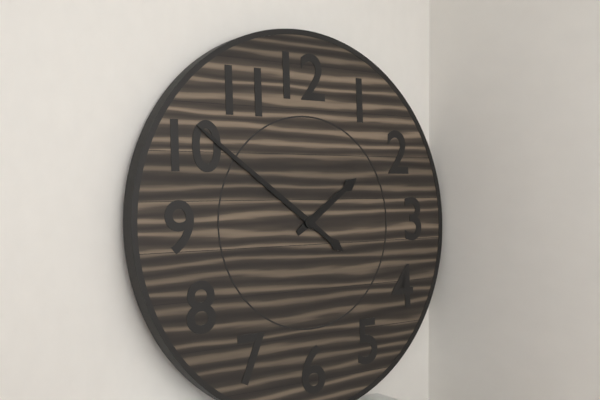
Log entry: 1:51
